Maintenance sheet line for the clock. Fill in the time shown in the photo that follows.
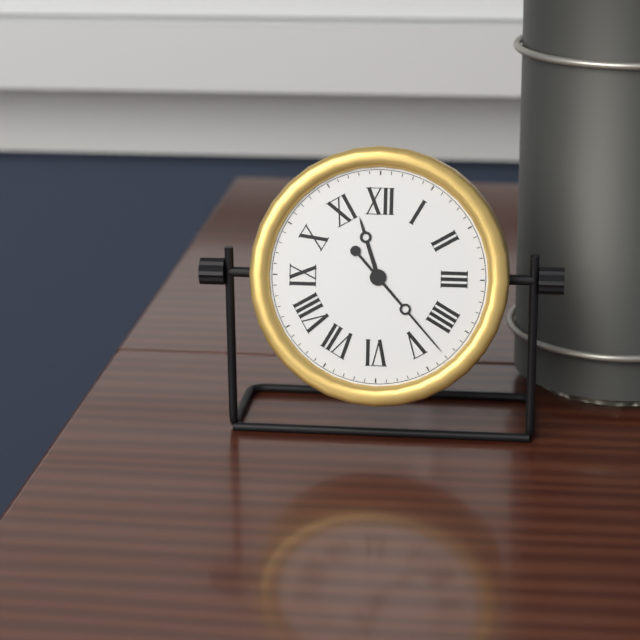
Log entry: 11:23
